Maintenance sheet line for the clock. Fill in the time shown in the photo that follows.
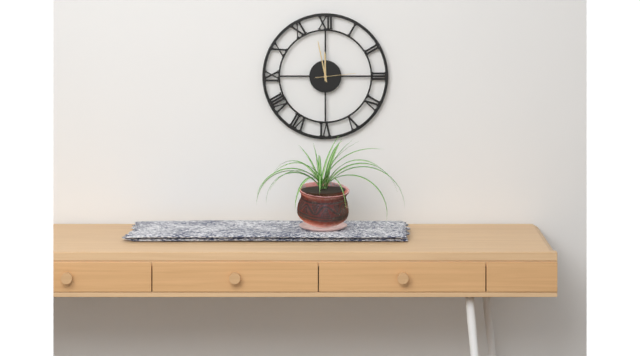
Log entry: 11:58
